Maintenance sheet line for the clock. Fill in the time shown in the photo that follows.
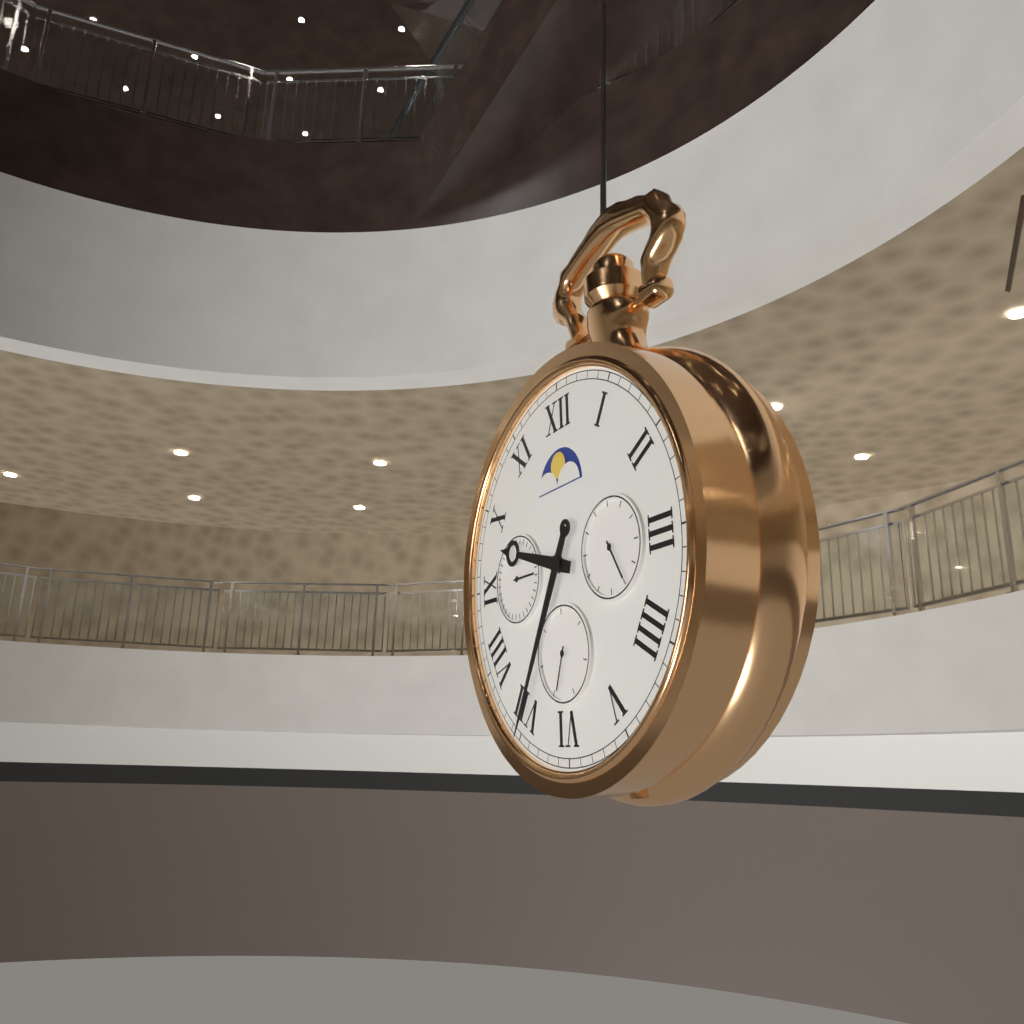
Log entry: 9:35
